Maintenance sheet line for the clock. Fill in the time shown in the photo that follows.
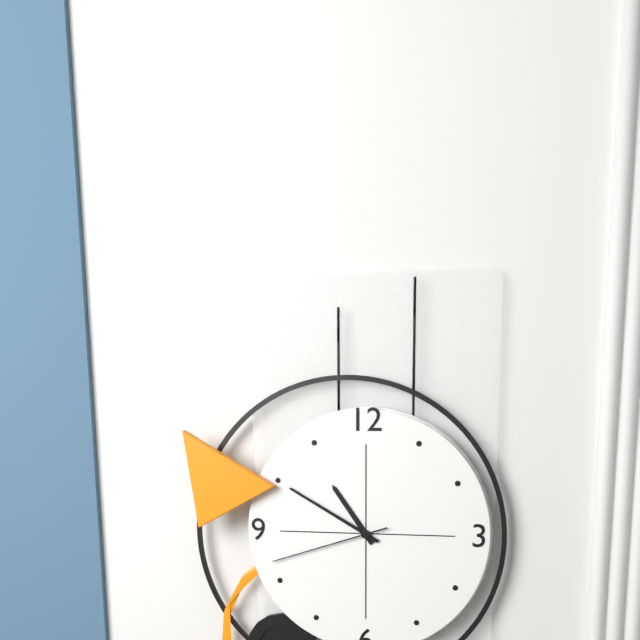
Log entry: 10:50:42
